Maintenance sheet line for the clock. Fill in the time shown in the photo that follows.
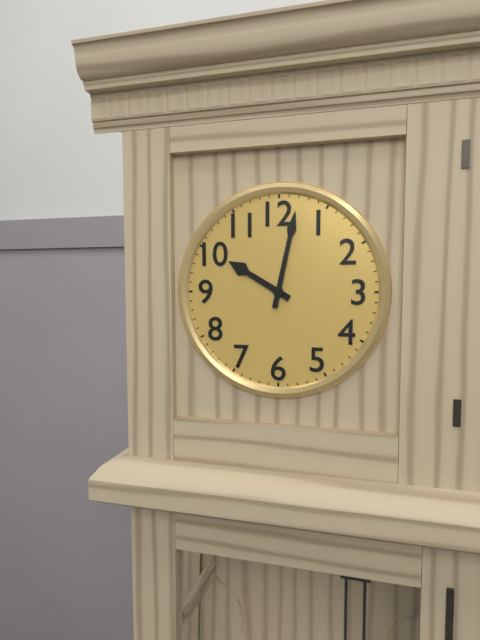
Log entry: 10:02
